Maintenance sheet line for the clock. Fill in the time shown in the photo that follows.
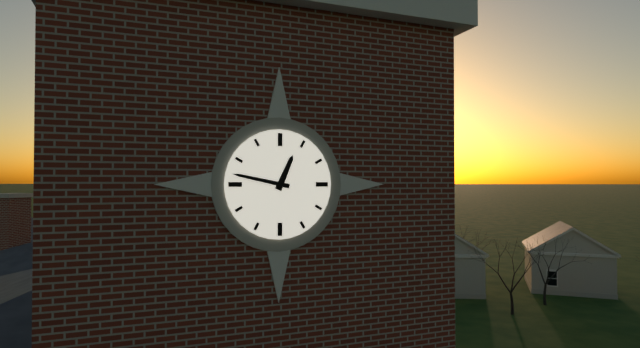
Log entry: 12:47
